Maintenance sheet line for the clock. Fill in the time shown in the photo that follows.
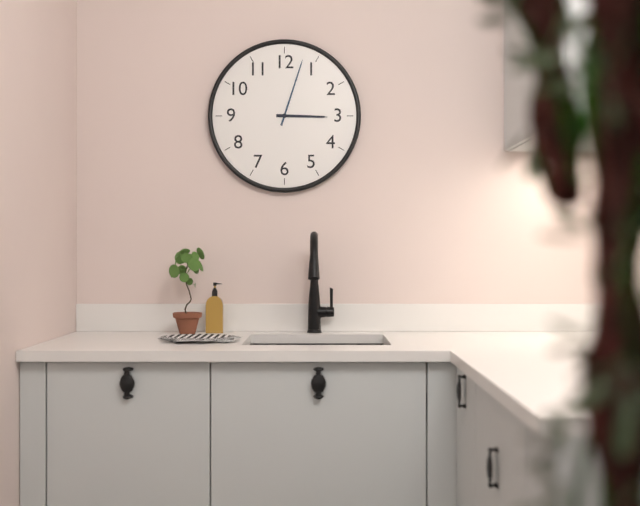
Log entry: 3:03
